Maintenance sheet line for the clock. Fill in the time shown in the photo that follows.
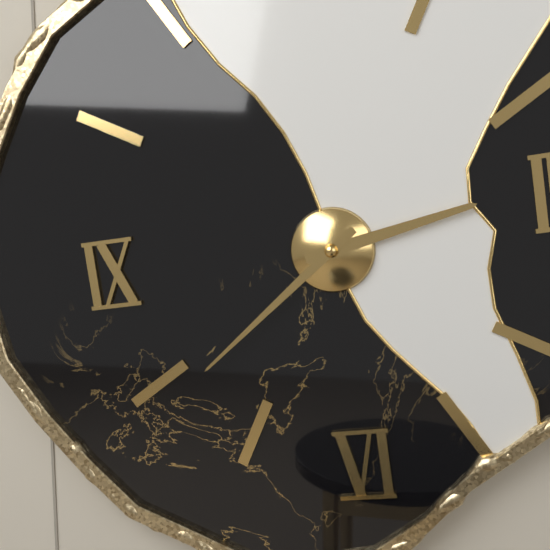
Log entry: 2:39
